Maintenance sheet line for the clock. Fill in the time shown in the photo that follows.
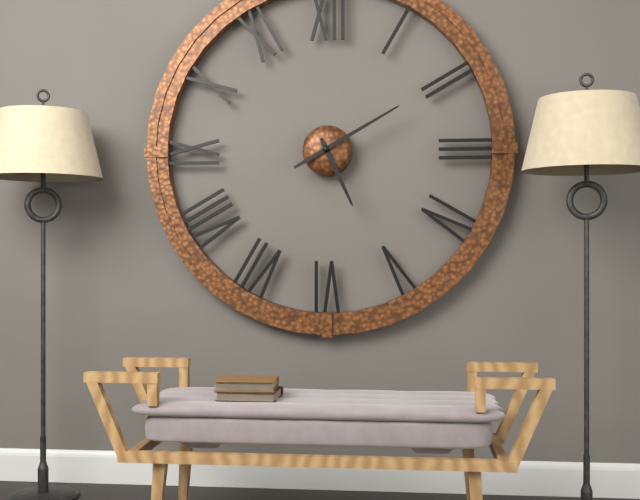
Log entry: 5:10
